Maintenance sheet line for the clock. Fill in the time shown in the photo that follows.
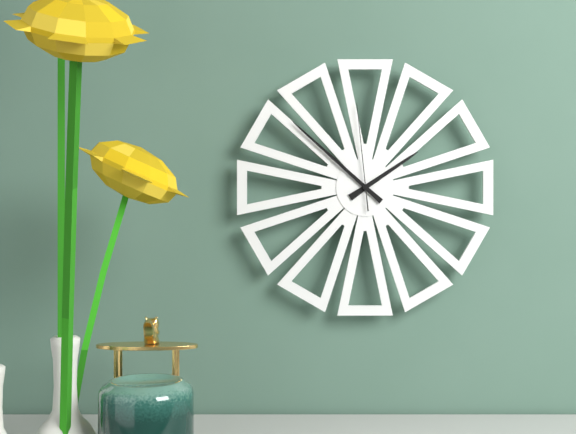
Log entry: 1:52:59
